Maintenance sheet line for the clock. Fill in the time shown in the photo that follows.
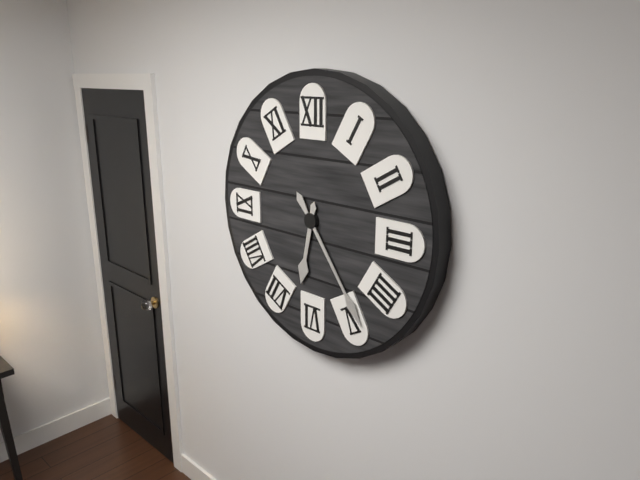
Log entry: 6:24
